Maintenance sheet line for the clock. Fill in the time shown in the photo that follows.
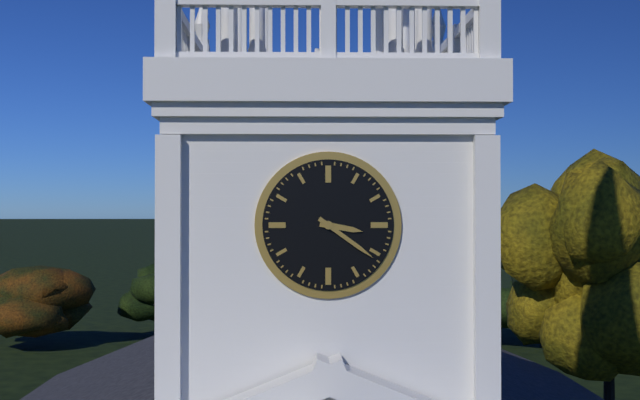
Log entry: 3:21
